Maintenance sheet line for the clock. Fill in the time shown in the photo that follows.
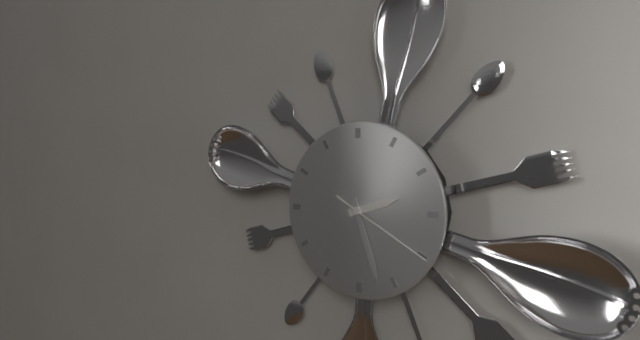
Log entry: 2:27:20
